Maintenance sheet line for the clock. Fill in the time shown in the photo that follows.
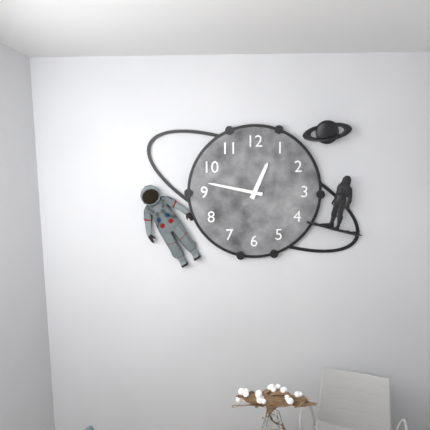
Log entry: 12:47
